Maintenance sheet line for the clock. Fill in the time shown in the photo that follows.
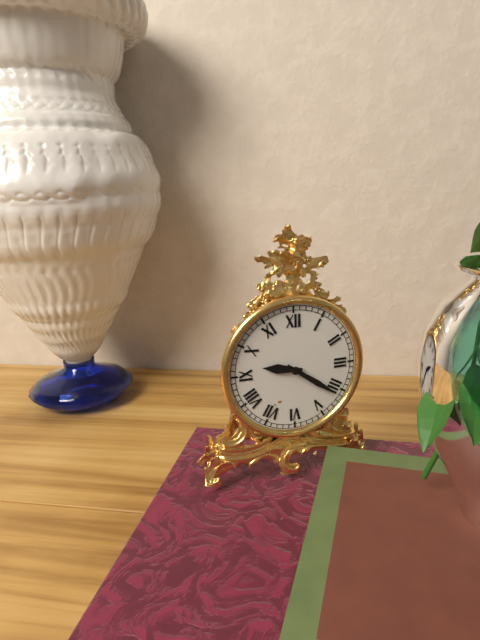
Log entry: 9:21
